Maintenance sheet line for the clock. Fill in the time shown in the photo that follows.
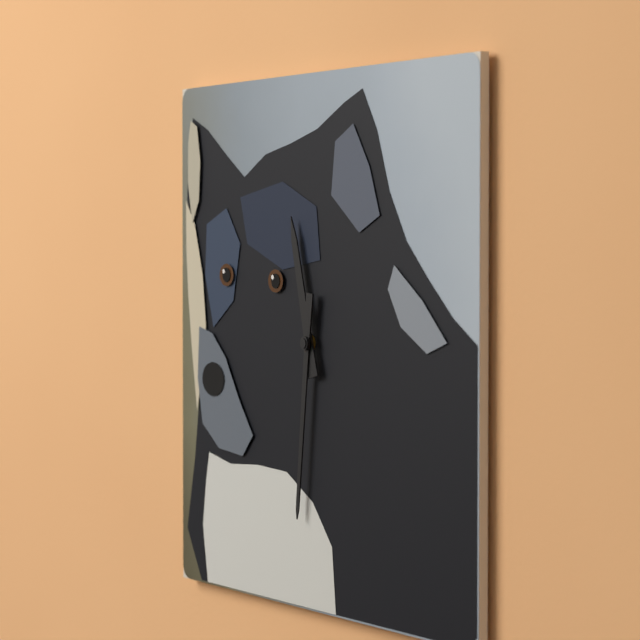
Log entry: 11:31
